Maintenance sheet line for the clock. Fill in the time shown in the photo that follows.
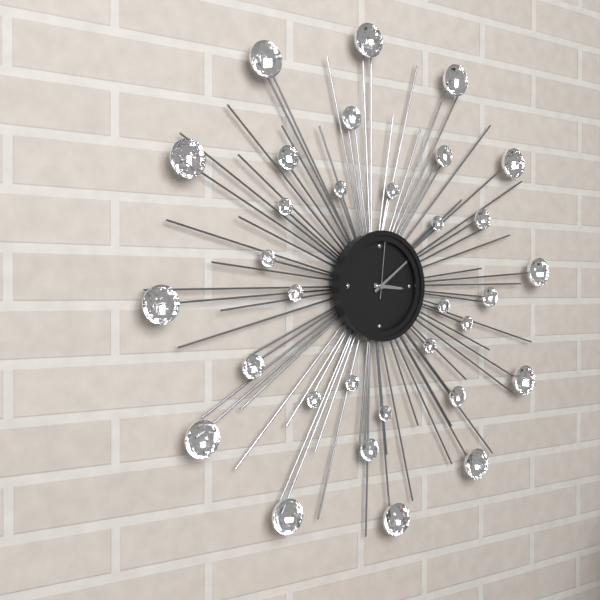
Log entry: 3:09:01
